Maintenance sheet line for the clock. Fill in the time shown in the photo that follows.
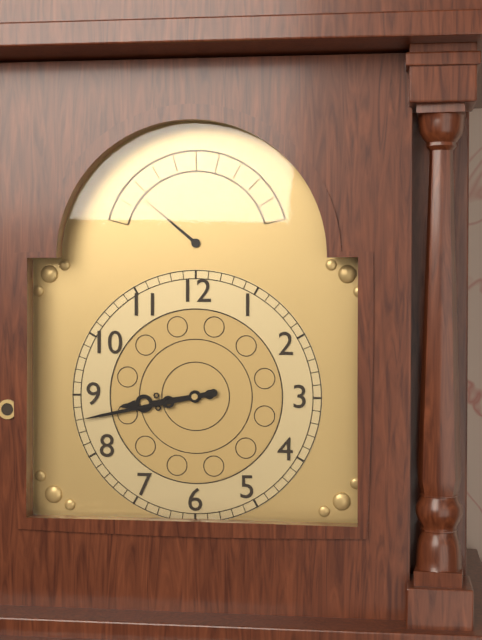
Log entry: 8:43
